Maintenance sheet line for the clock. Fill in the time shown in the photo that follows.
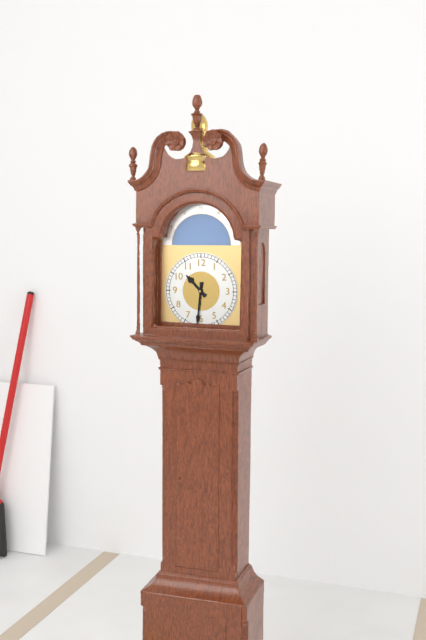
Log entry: 10:31
